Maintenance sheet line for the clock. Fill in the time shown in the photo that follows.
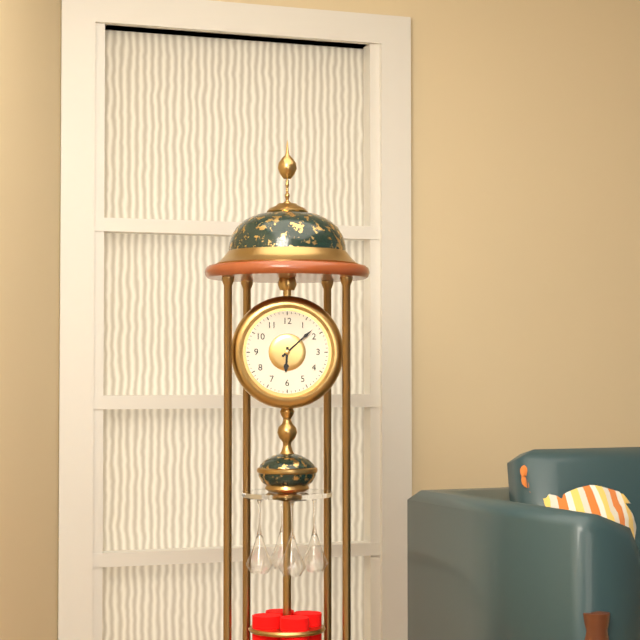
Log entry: 6:08
